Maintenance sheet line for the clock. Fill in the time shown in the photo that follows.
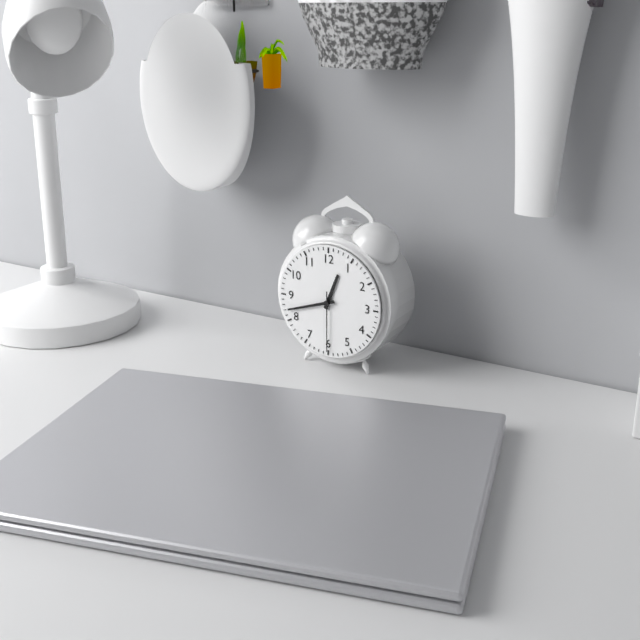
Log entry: 12:42:30
